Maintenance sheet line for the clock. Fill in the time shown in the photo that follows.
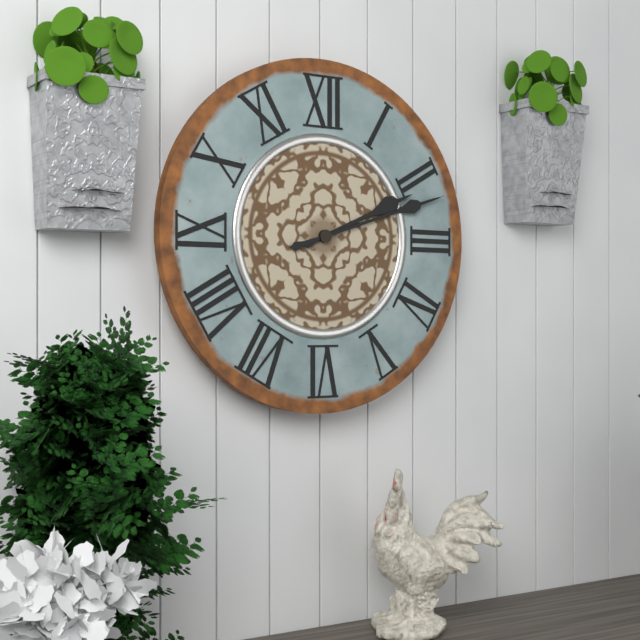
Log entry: 2:12
